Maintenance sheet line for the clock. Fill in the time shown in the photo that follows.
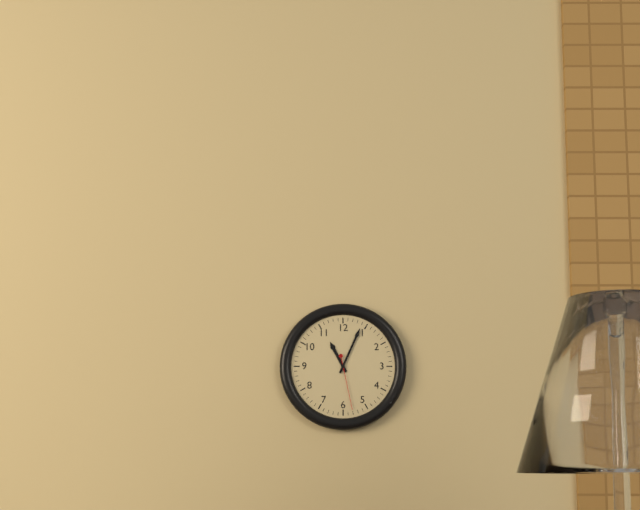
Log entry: 11:04:28
